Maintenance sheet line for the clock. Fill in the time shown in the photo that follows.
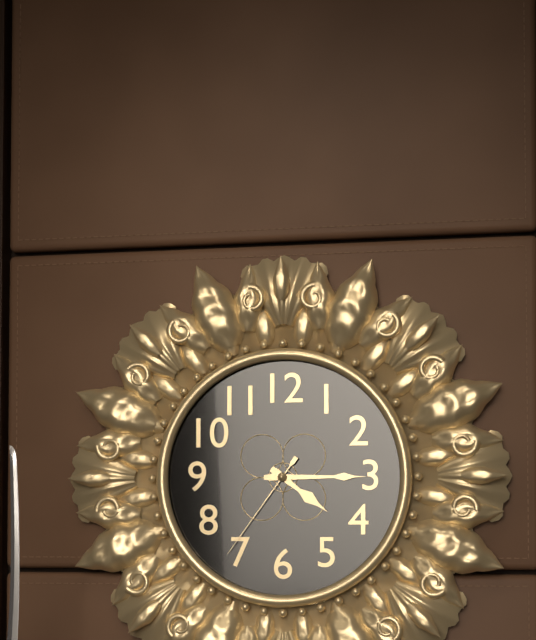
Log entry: 4:15:36
